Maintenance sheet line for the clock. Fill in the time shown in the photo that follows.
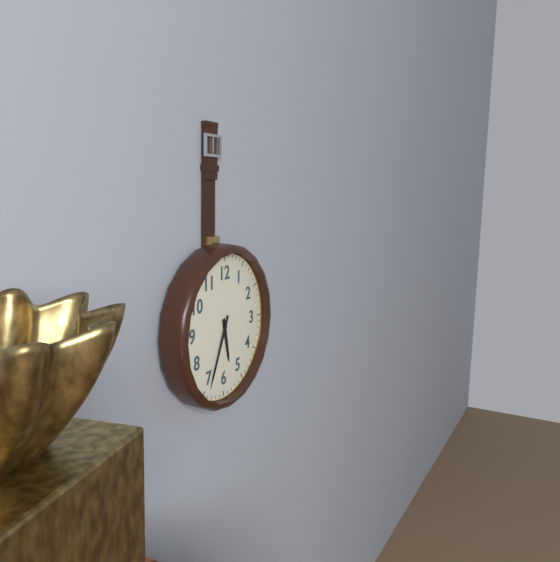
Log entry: 5:34
